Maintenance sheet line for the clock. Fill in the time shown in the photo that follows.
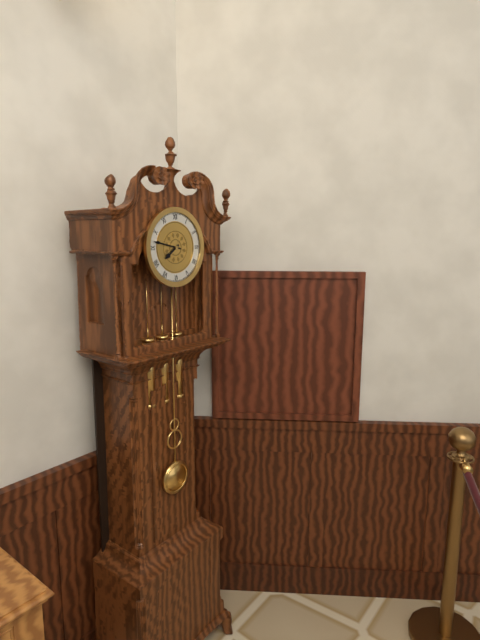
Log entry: 7:47
